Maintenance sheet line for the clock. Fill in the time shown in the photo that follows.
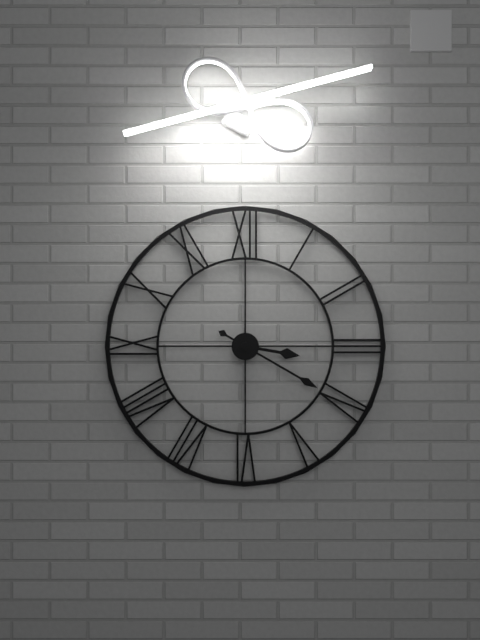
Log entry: 3:20
